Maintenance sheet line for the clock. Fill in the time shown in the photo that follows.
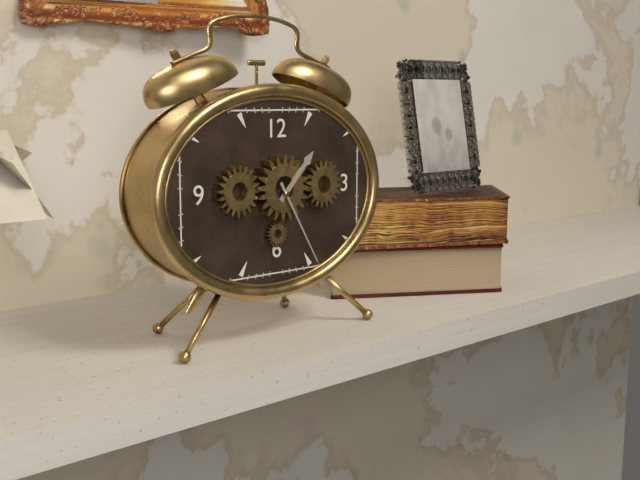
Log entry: 1:25
